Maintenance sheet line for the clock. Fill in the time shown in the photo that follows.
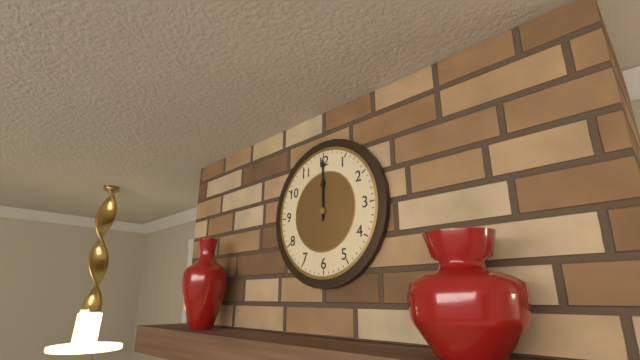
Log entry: 12:00
